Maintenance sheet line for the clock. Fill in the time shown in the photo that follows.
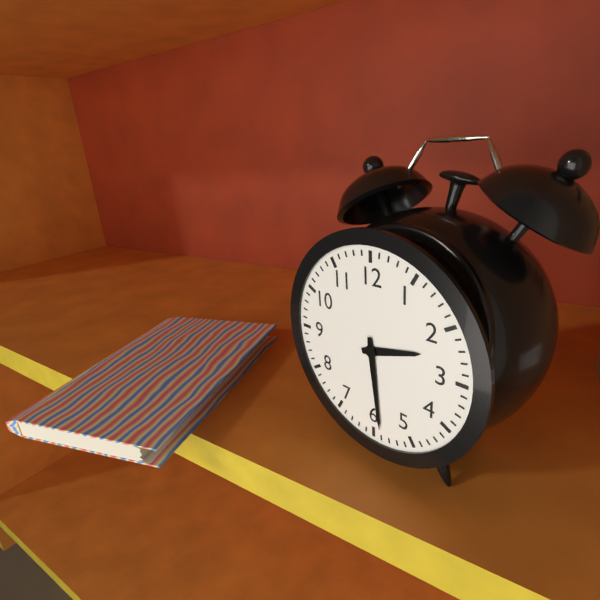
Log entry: 2:29
